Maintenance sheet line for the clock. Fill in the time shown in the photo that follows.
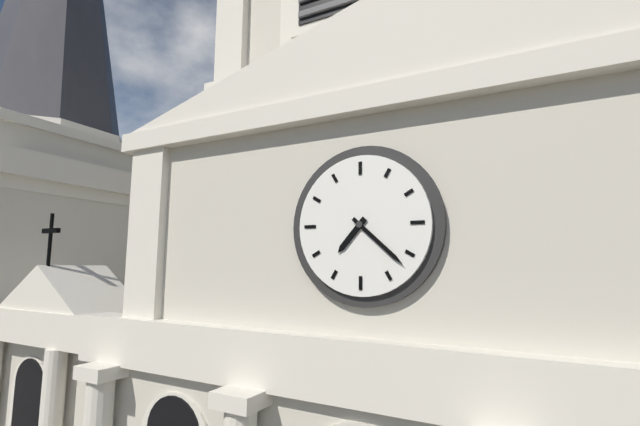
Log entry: 7:22
